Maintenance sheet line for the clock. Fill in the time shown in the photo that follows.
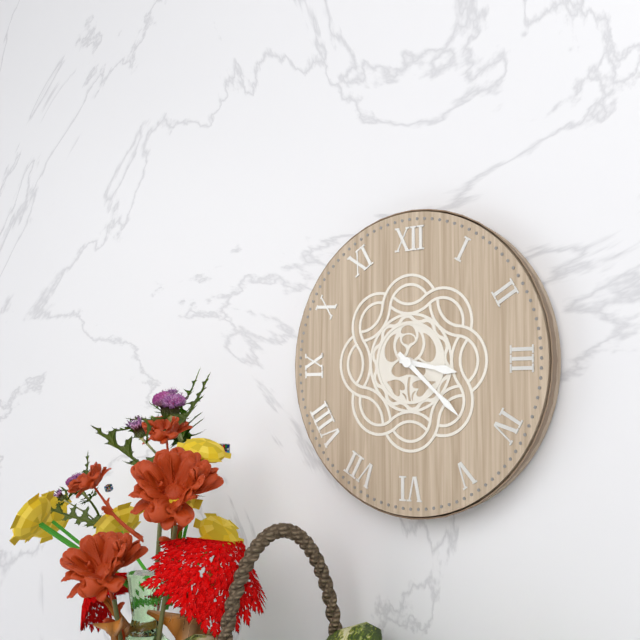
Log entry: 3:22
